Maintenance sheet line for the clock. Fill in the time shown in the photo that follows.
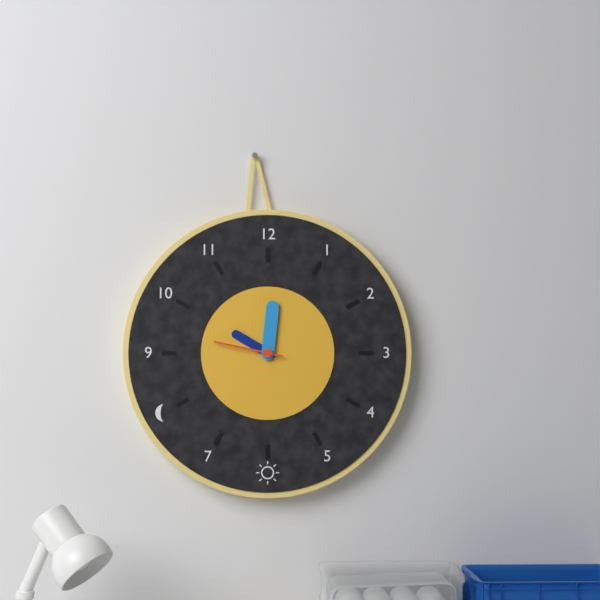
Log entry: 10:01:47
